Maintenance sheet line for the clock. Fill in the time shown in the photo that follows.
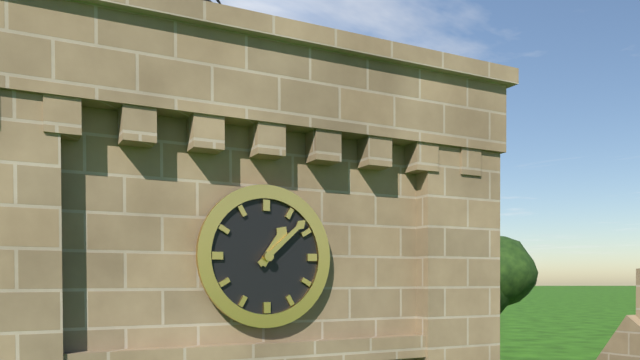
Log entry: 1:08
